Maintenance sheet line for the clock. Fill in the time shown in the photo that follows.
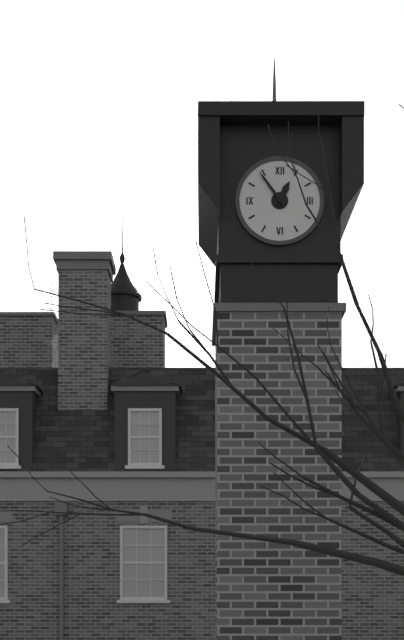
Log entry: 12:54
